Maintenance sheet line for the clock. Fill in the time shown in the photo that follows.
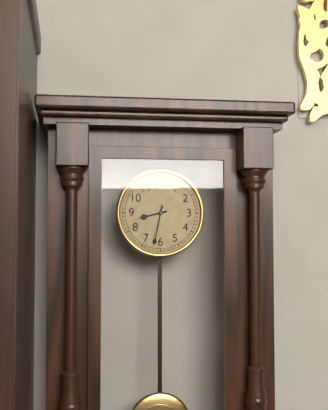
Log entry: 8:32
